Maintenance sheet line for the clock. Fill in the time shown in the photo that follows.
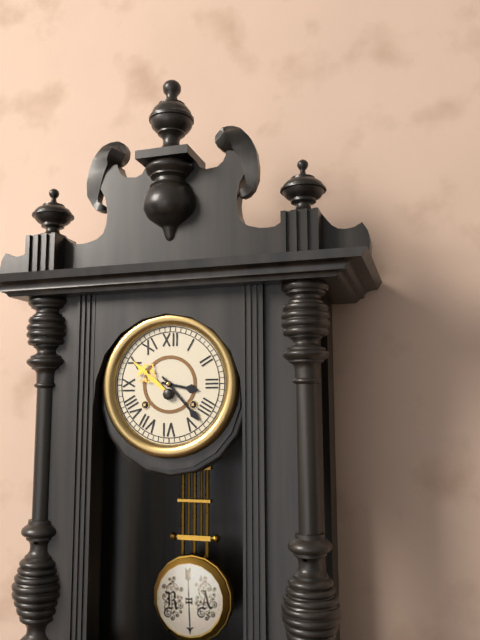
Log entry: 3:23
